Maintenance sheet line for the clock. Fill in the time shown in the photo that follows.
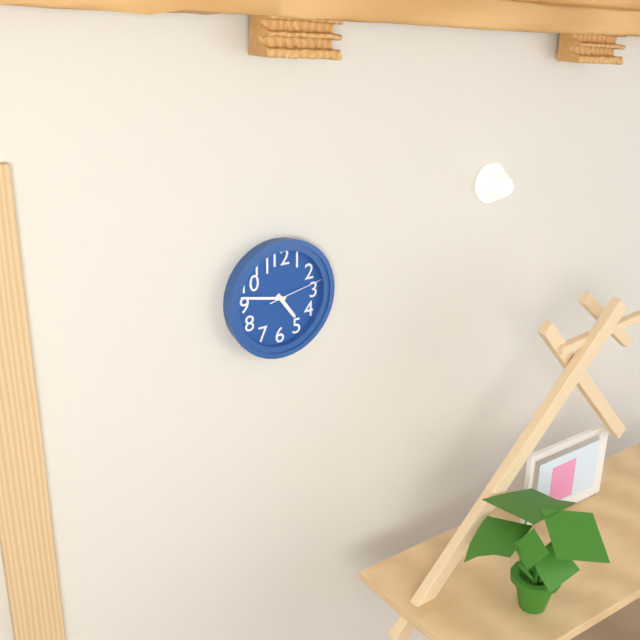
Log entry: 4:47:13
